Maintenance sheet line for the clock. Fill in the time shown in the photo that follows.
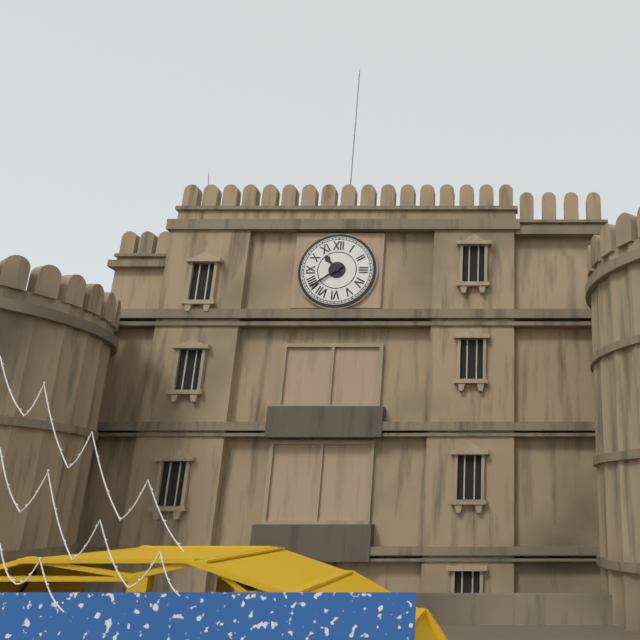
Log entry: 10:39
